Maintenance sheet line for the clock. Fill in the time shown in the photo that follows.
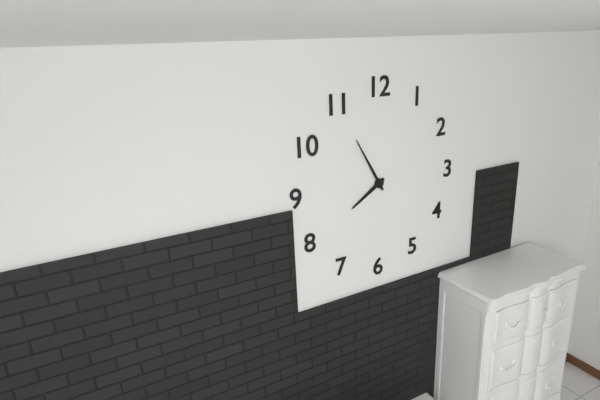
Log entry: 7:55
